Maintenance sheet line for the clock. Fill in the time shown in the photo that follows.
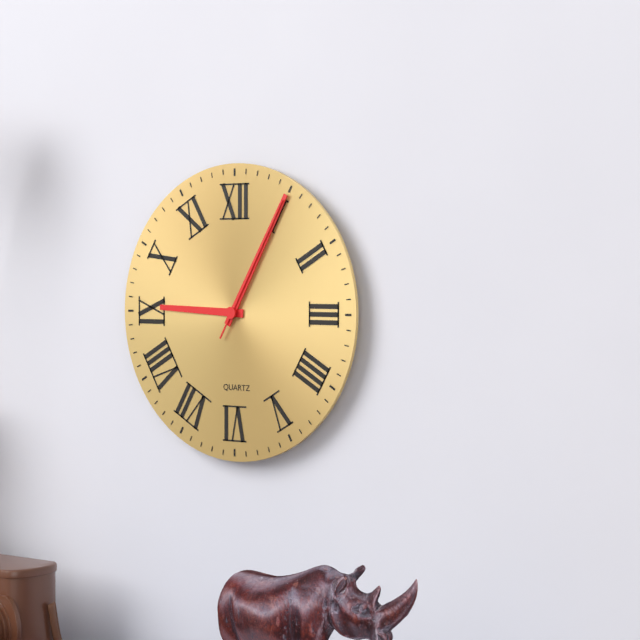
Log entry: 9:05:05
